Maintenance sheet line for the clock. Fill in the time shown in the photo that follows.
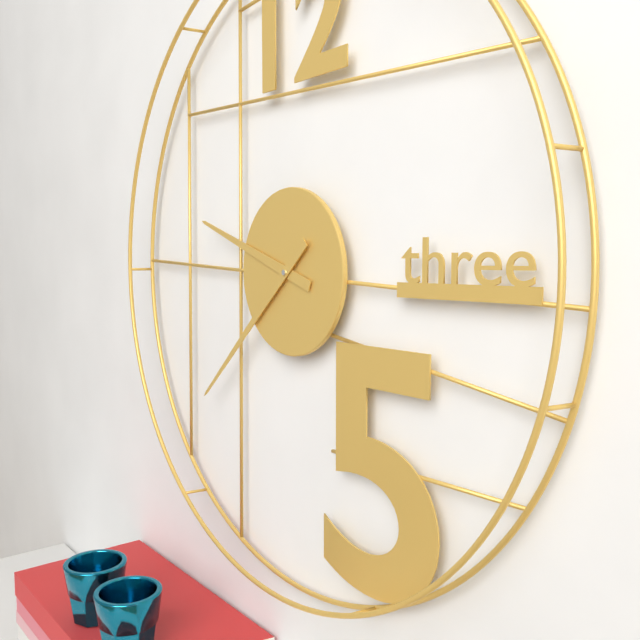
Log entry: 9:38
